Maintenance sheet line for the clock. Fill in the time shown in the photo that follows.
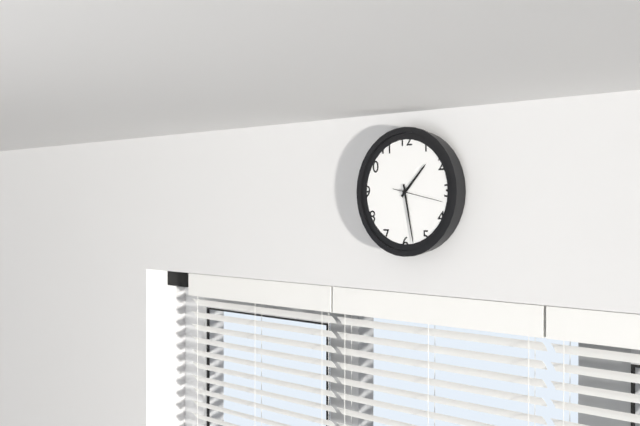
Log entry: 1:28:17
